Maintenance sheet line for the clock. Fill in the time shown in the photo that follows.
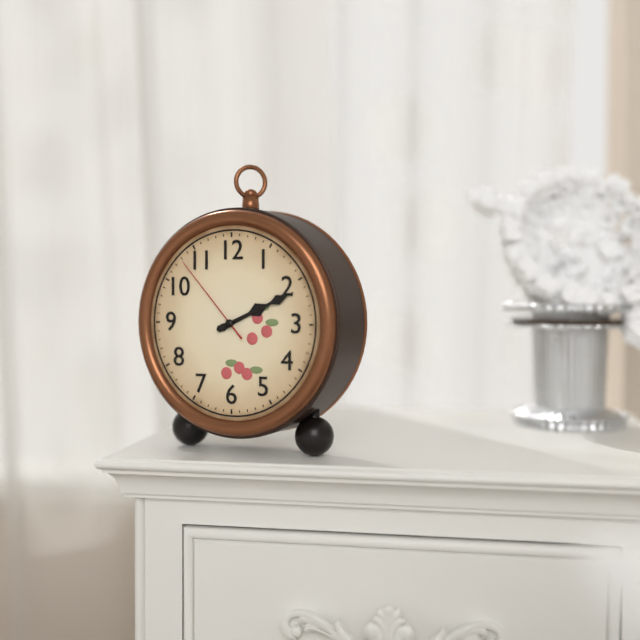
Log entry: 2:11:53
